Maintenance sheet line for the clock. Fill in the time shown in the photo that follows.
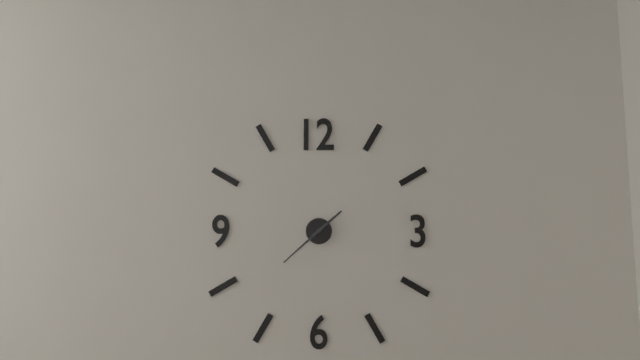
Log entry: 1:38
